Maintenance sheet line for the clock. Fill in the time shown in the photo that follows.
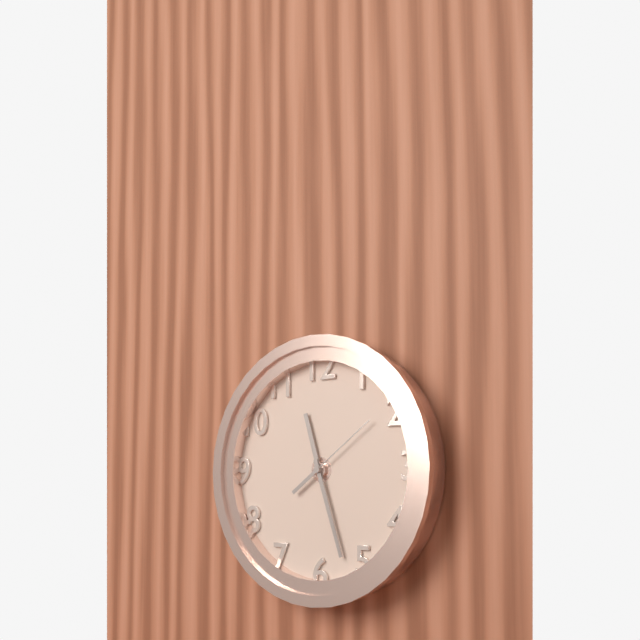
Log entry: 11:27:09
